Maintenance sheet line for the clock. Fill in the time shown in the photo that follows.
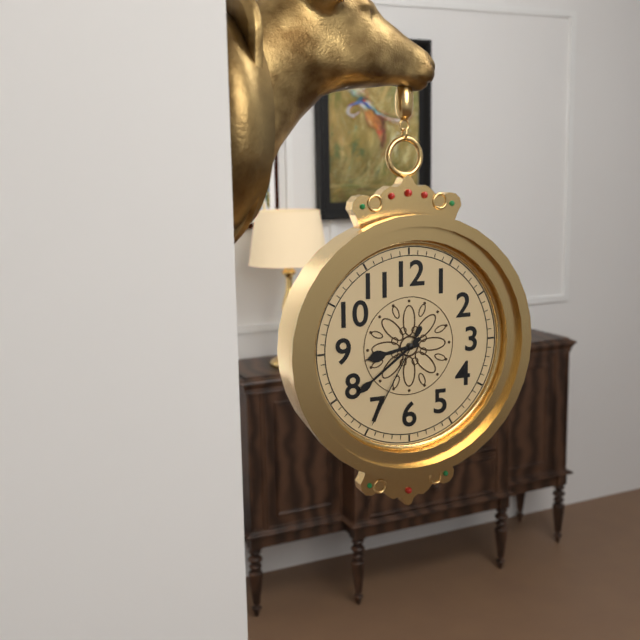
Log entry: 8:39:35
